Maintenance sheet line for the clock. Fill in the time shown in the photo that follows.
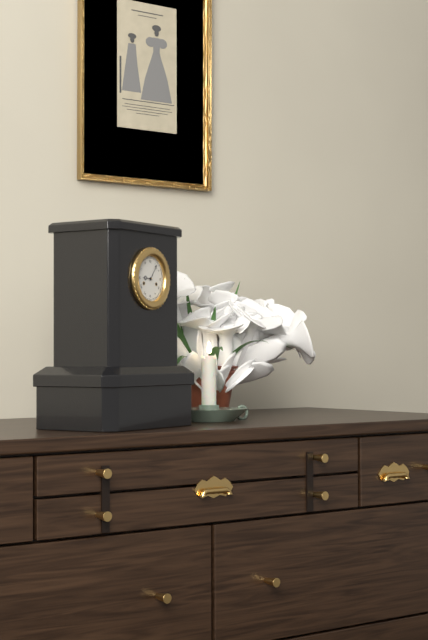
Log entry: 9:06
